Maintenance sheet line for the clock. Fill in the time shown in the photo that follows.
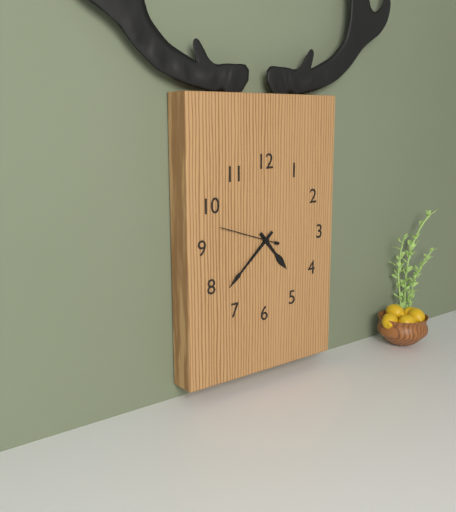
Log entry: 4:38
